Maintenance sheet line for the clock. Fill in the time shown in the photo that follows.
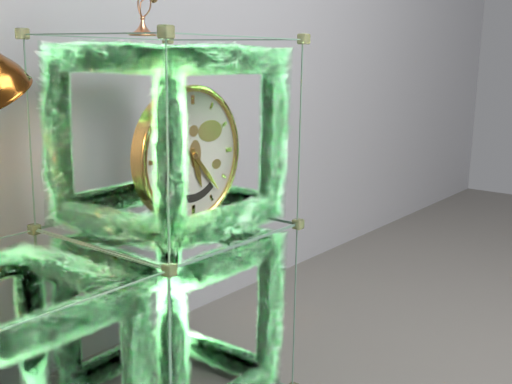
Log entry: 5:23
